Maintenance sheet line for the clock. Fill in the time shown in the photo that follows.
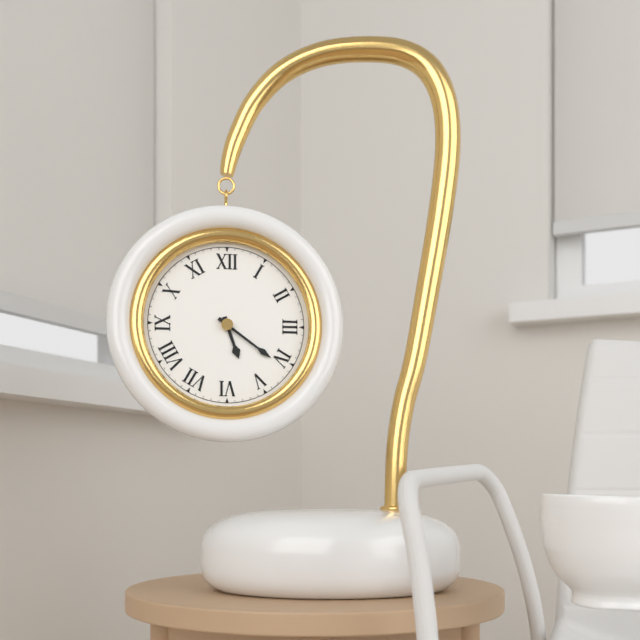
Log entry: 5:21
